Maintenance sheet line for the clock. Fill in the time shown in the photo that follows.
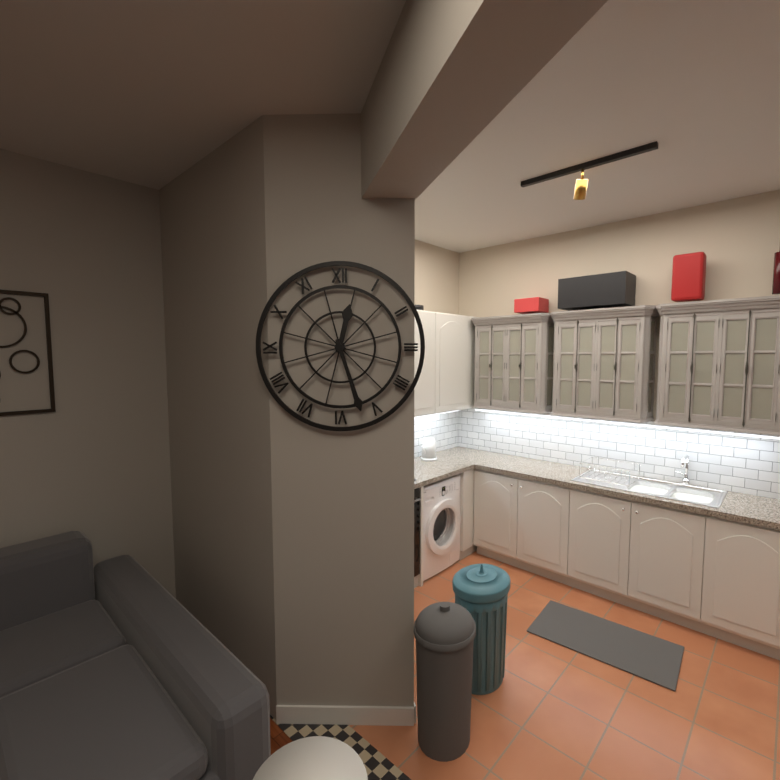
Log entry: 12:27
